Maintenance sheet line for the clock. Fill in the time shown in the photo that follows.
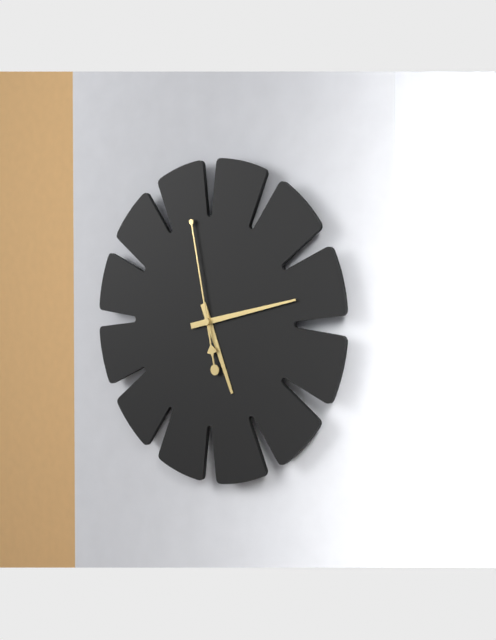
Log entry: 5:13:58
